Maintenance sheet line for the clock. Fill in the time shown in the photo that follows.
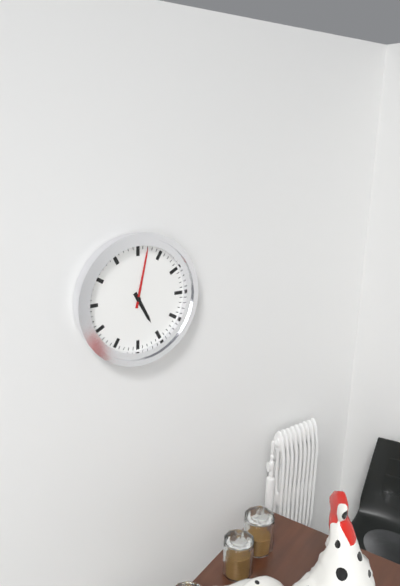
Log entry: 5:02
